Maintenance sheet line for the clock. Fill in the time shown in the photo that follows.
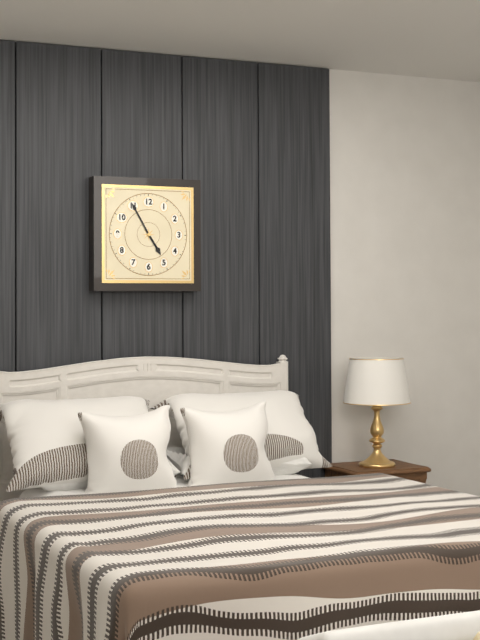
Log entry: 4:55
